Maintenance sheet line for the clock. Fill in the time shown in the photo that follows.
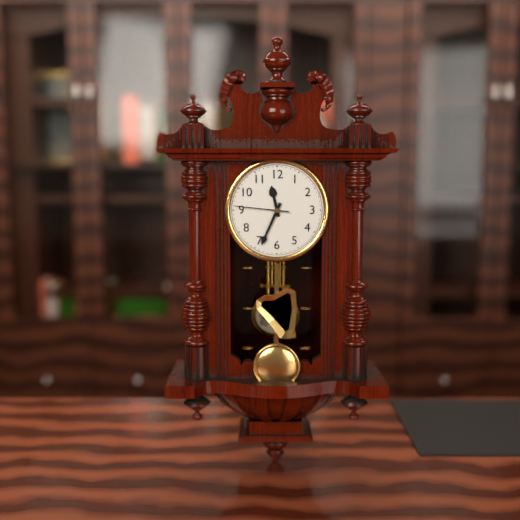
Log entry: 11:34:46
